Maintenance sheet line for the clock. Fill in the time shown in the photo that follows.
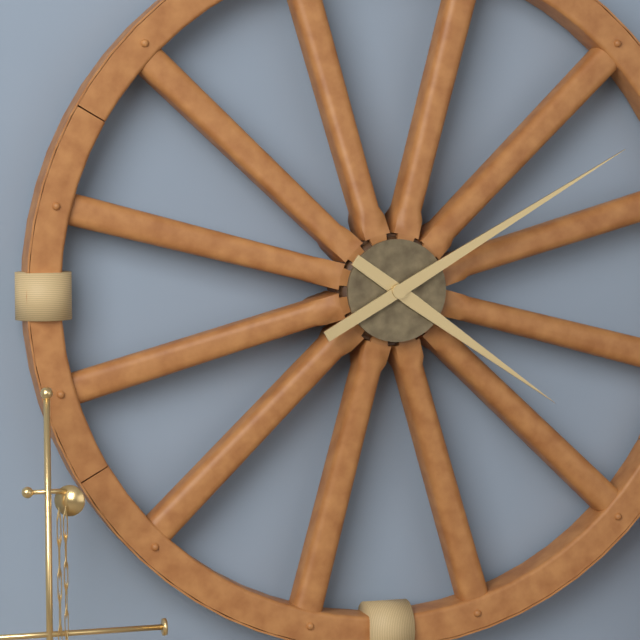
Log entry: 4:10
